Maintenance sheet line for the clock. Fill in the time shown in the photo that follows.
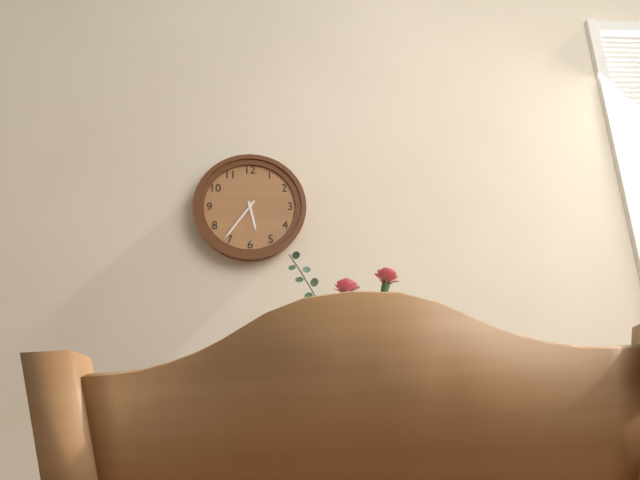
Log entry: 5:36
